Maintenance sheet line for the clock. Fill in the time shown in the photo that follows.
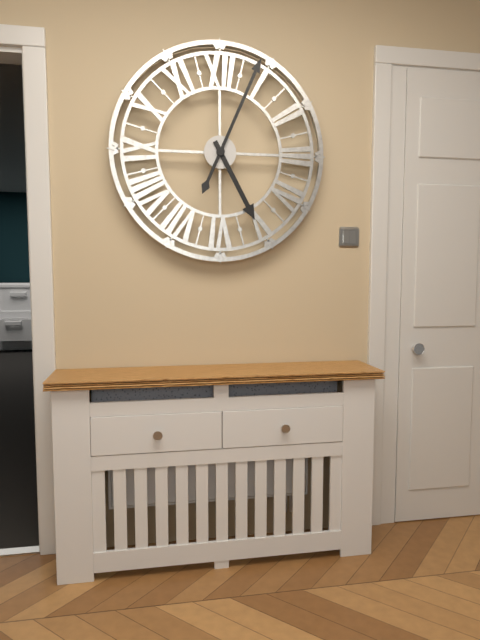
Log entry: 5:04
